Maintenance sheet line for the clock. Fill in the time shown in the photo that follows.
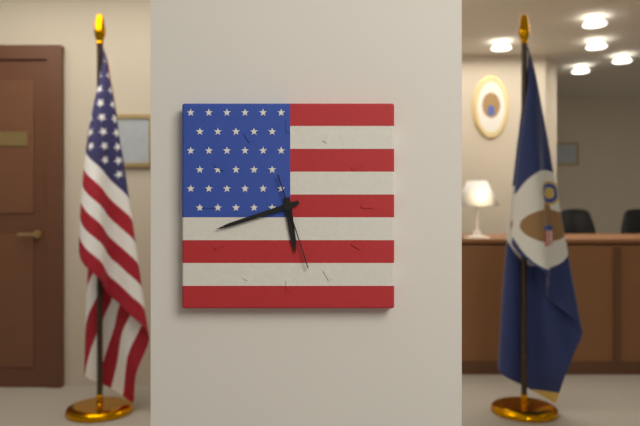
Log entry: 5:42:27
